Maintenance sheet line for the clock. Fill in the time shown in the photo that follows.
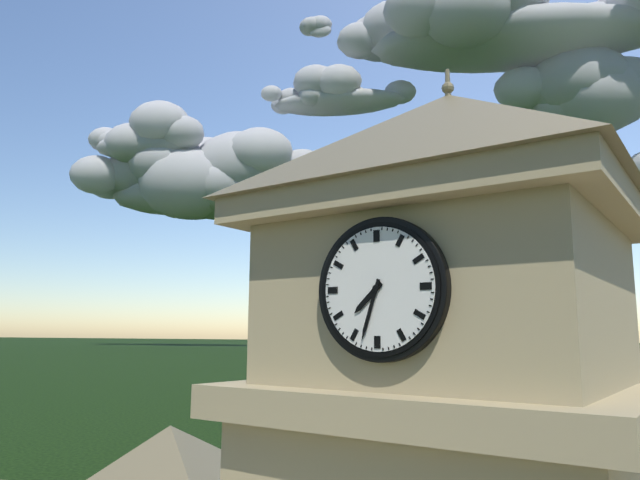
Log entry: 7:33
